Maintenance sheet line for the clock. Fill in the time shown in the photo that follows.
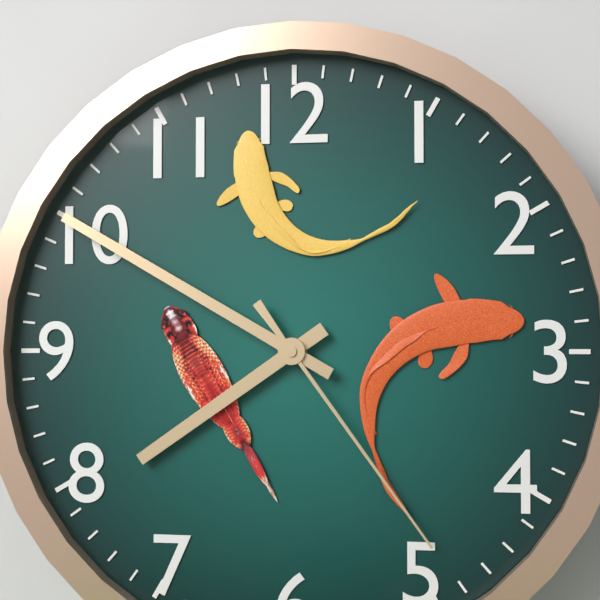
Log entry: 7:50:24
